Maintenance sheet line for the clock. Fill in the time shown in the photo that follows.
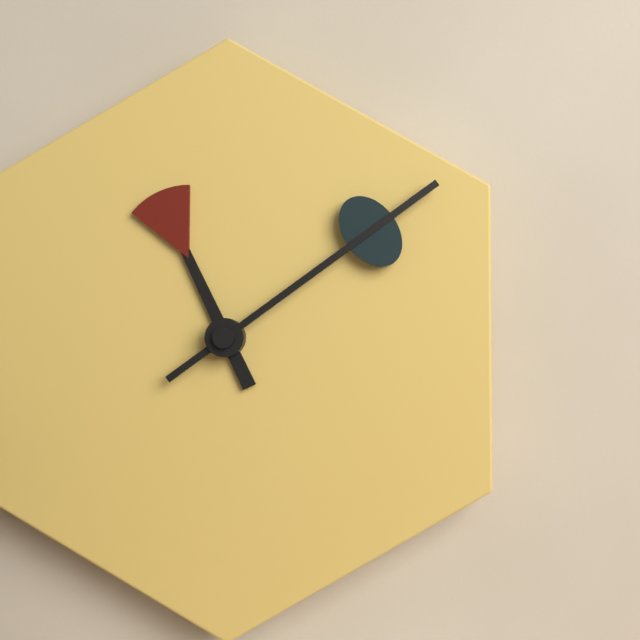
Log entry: 11:09
